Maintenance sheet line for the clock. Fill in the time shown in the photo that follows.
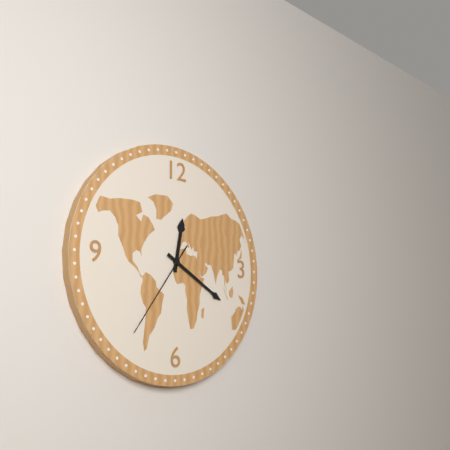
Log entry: 12:20:36
